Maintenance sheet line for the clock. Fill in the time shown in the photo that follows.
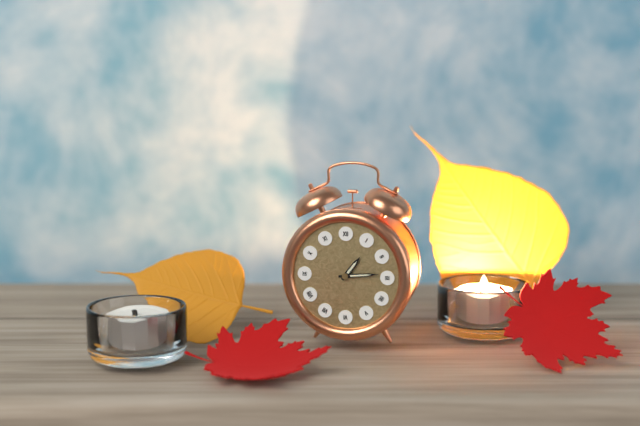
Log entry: 1:14
